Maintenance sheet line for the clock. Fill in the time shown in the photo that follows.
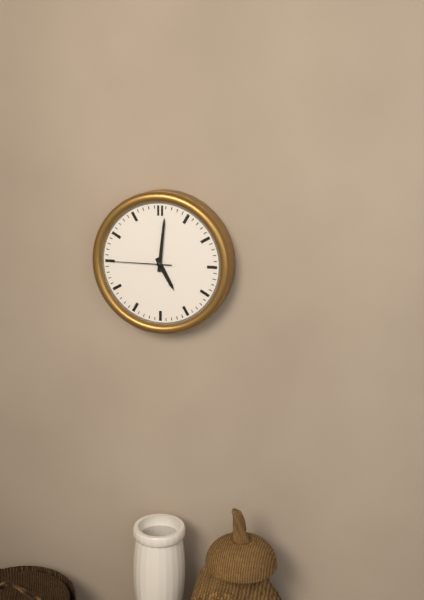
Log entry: 5:01:45
